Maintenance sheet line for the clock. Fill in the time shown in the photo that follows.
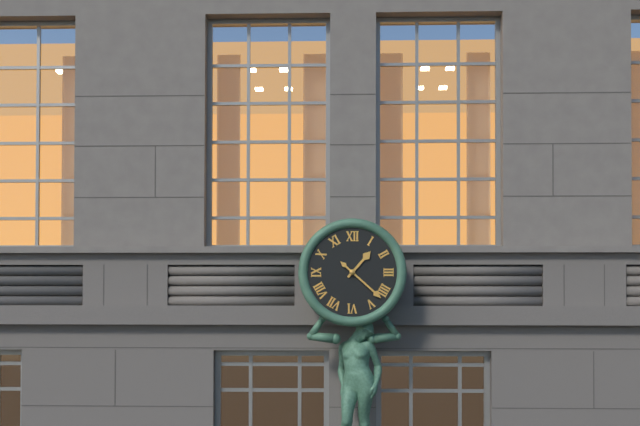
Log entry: 1:22
